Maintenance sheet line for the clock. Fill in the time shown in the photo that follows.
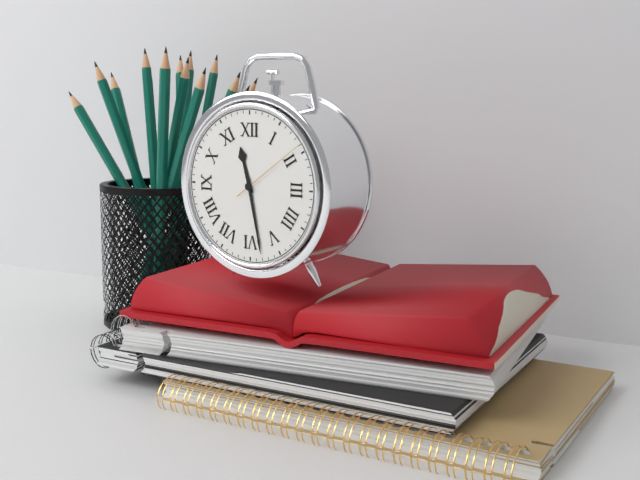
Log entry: 11:28:09
